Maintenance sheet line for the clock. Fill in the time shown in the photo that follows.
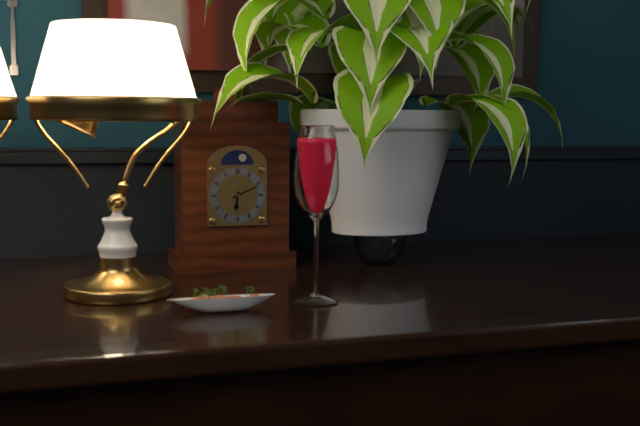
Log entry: 6:11
